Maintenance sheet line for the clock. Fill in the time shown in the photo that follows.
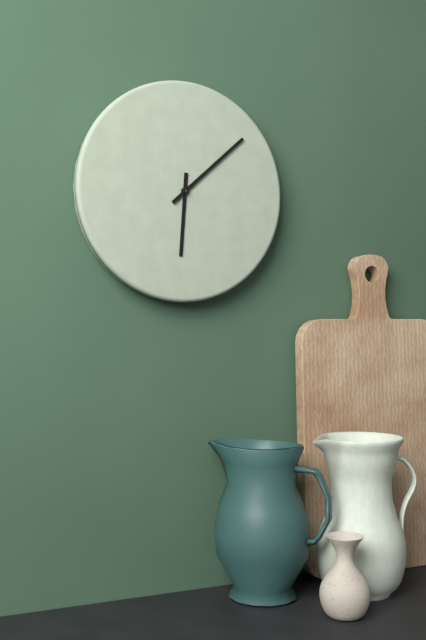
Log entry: 6:08
